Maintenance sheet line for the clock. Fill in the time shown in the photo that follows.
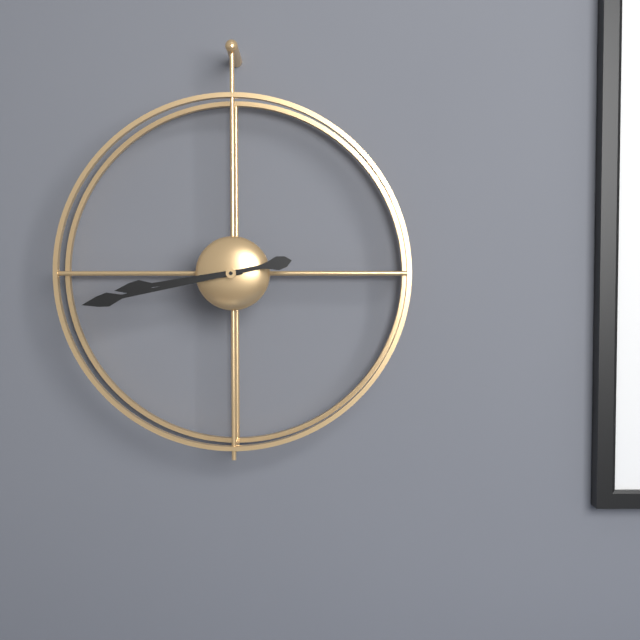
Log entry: 8:43
